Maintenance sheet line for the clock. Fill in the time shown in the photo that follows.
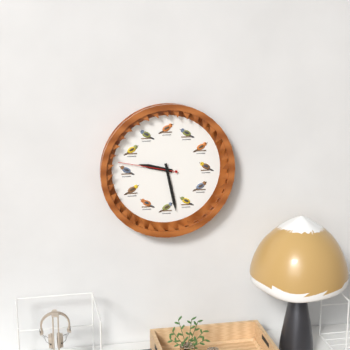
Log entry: 9:28:47
